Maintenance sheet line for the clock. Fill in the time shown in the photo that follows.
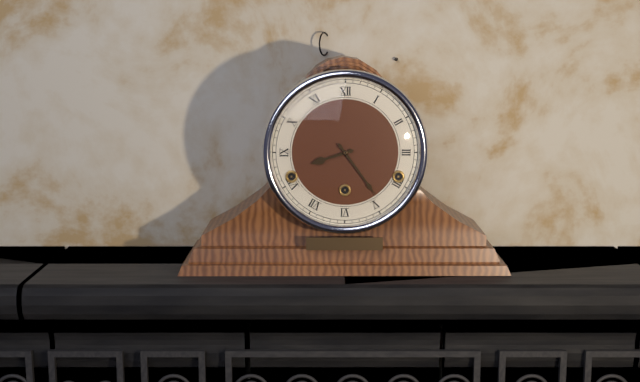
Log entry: 8:24
